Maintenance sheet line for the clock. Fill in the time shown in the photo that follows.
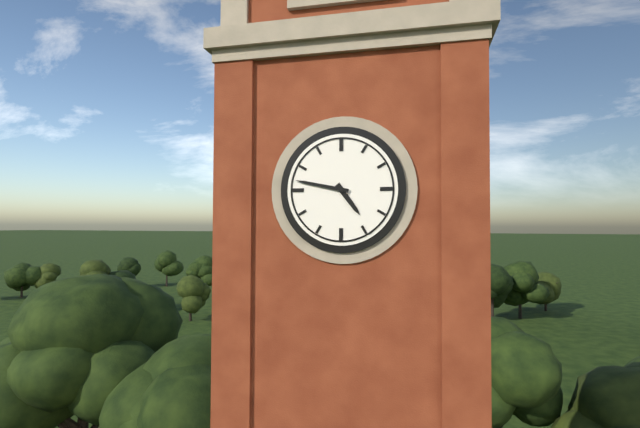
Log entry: 4:47
